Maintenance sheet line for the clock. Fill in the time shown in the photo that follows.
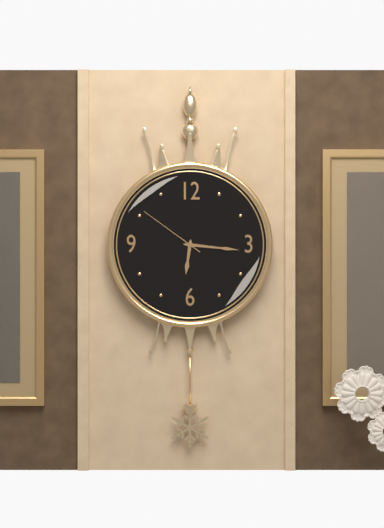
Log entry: 6:16:51
